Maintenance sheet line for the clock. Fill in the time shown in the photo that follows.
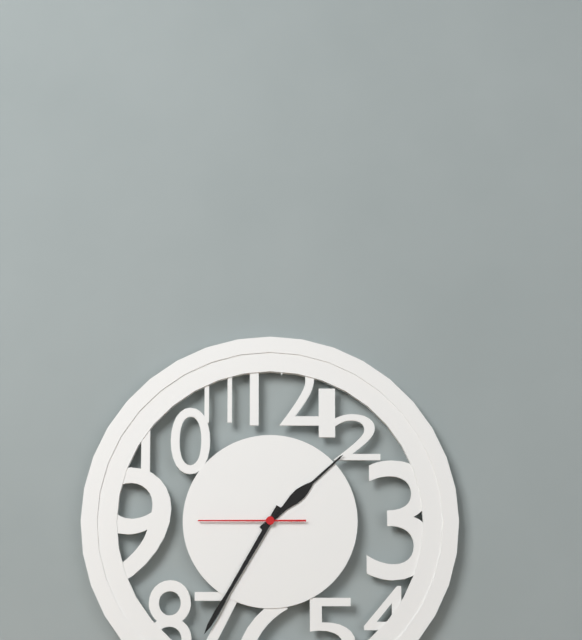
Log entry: 1:35:45
